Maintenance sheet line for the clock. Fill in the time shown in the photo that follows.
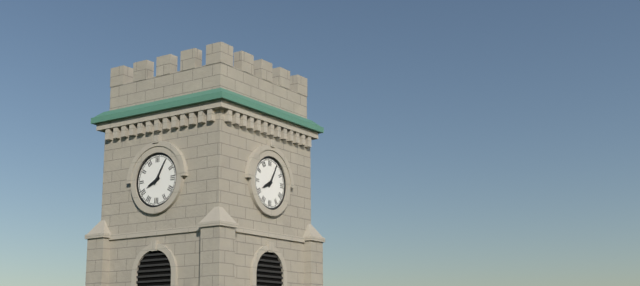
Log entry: 8:05
